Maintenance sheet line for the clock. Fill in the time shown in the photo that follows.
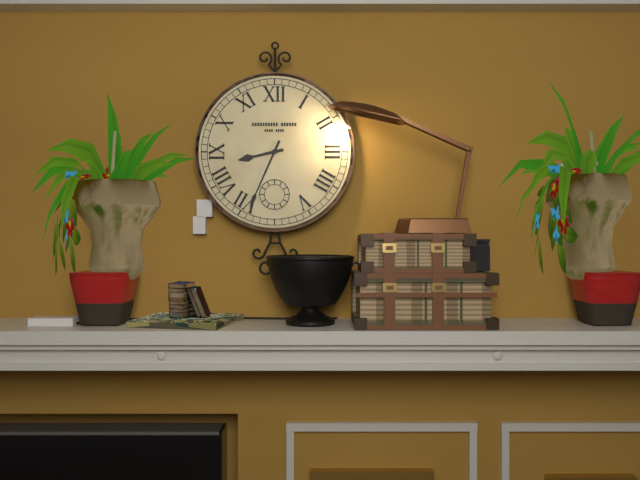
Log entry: 8:34
